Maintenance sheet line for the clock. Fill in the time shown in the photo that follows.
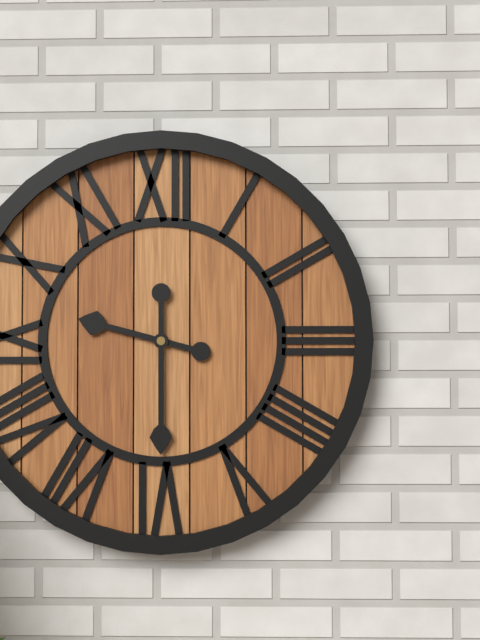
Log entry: 9:30
